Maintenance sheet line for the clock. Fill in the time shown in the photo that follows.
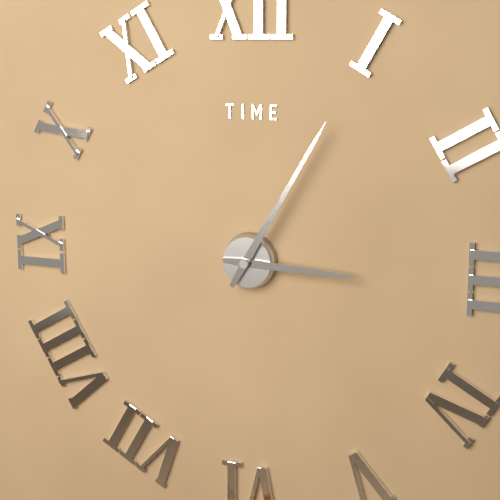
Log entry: 3:05
